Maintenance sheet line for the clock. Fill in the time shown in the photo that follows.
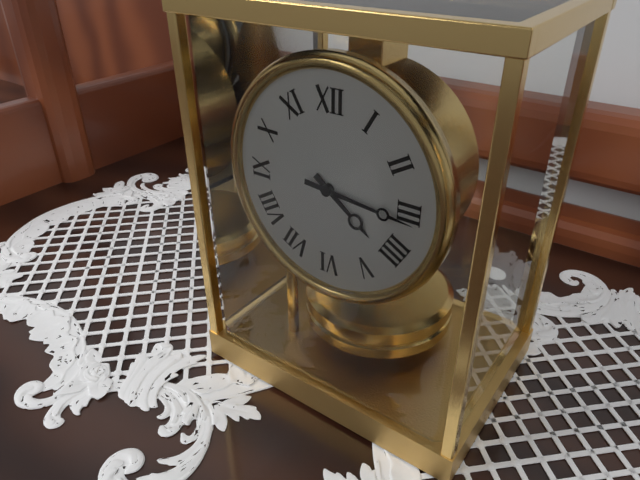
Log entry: 4:16
